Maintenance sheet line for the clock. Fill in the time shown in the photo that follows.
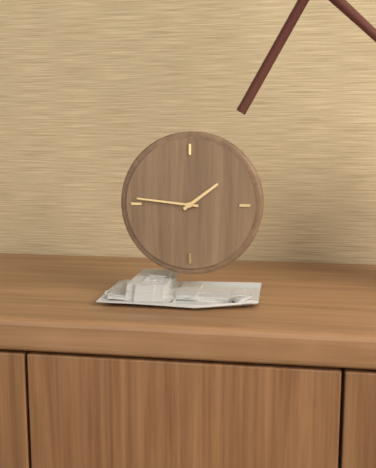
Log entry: 1:46
